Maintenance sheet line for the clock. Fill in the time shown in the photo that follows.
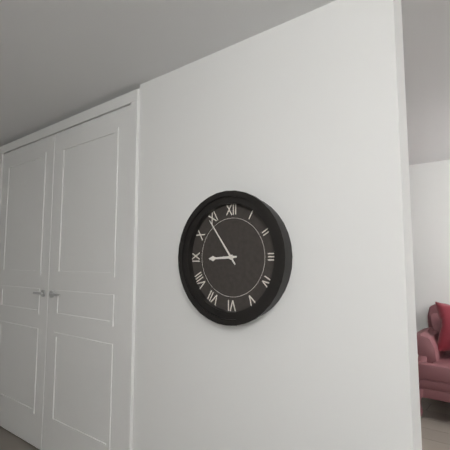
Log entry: 8:54
